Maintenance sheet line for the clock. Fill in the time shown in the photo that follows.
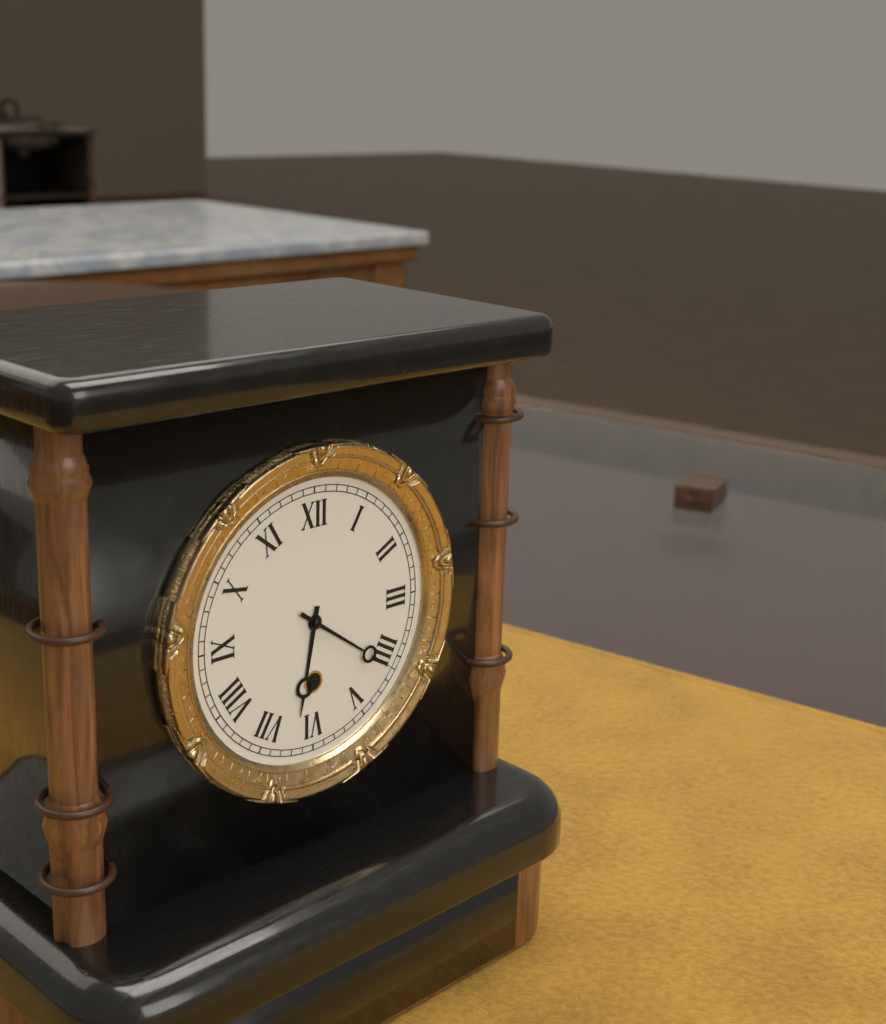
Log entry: 6:21
